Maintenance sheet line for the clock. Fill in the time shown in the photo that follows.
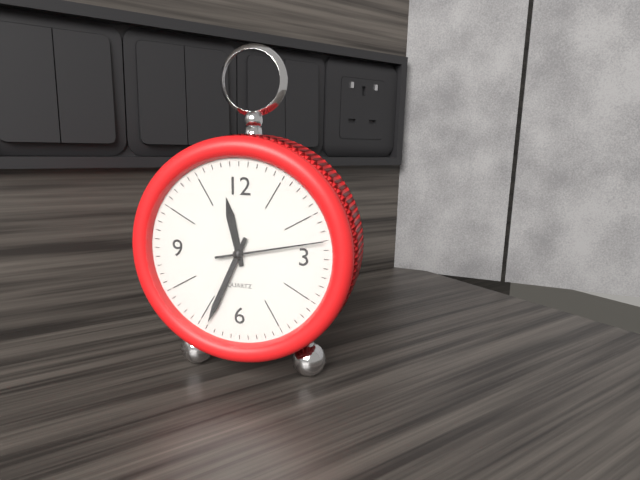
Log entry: 11:34:13
